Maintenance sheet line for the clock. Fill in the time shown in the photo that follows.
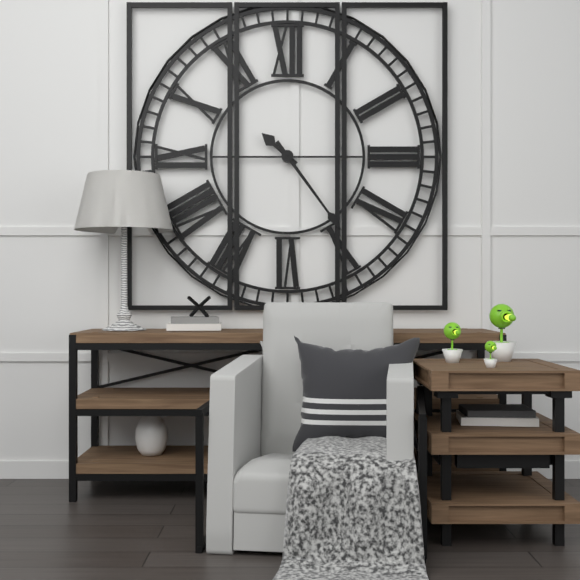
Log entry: 10:24
